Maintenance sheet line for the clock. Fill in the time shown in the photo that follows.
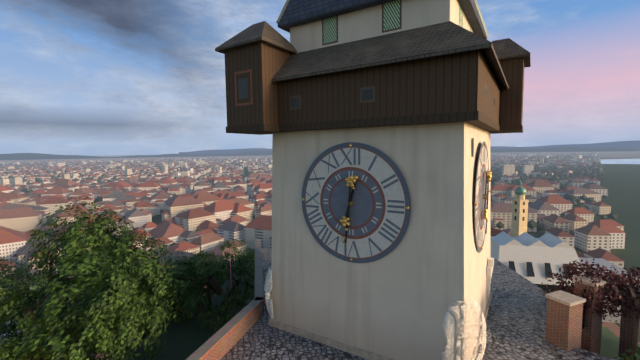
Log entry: 12:31
